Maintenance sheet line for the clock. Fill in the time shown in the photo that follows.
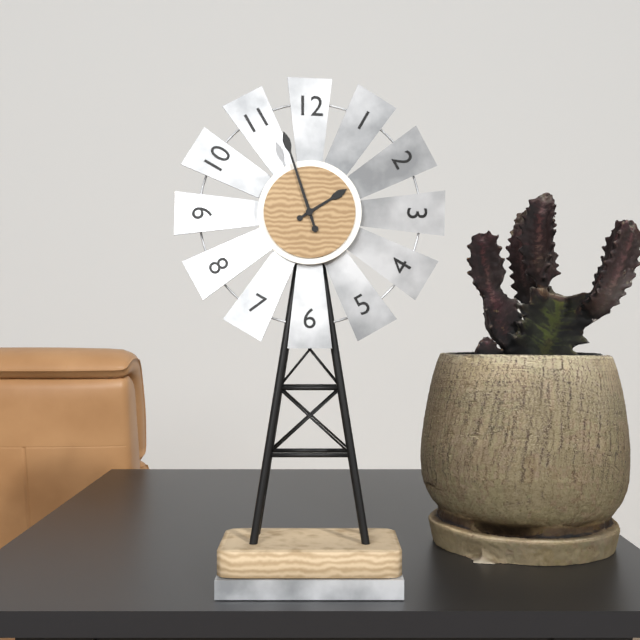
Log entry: 1:57
